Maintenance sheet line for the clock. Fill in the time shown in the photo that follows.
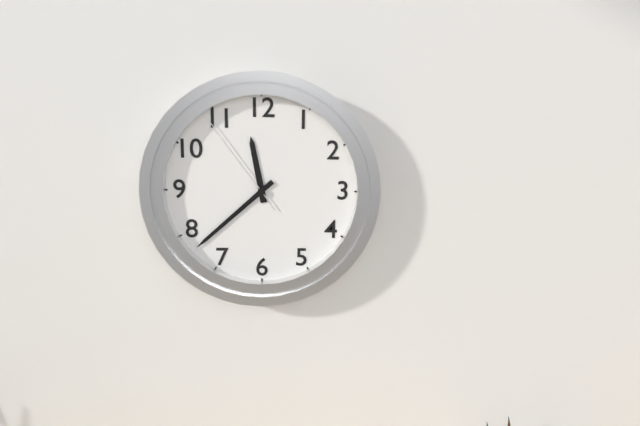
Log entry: 11:38:54
